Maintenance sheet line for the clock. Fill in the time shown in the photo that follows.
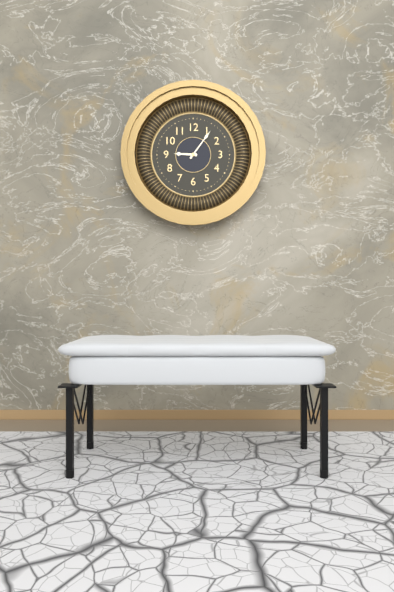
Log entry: 9:06
